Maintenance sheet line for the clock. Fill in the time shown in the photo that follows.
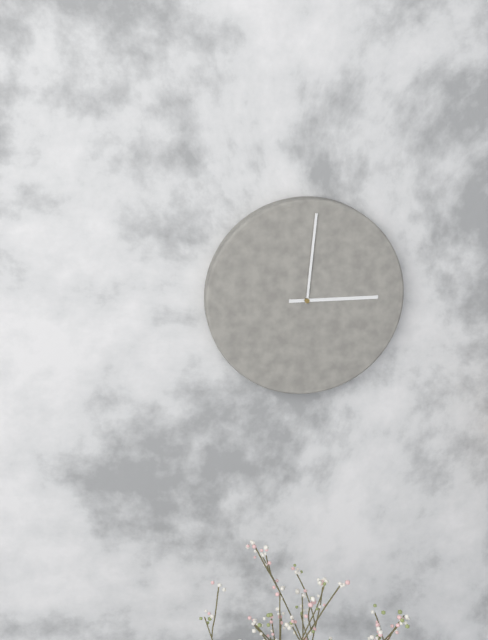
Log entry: 3:01
